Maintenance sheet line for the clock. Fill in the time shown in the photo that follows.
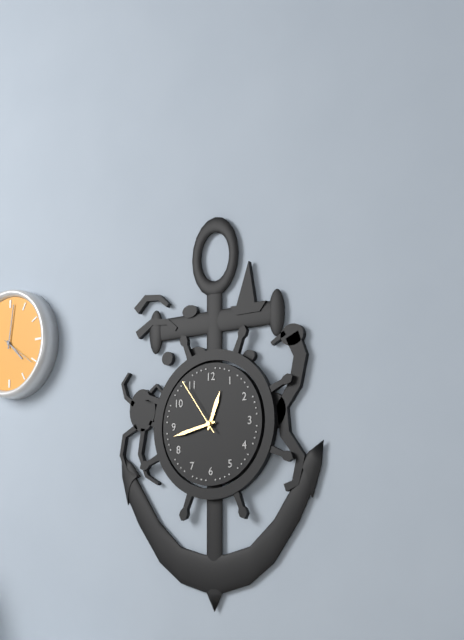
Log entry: 12:43:54
